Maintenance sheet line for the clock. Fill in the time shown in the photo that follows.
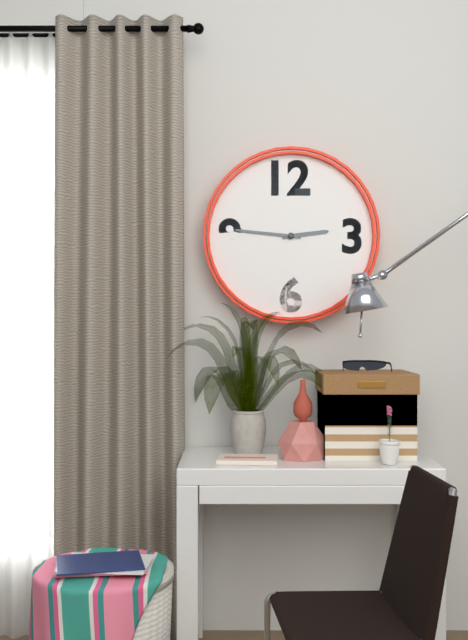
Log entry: 2:46
